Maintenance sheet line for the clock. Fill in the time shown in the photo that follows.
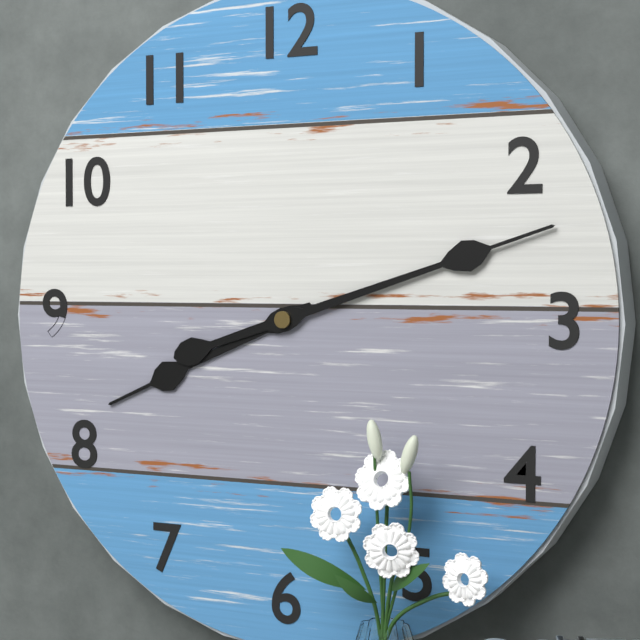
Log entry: 8:12
